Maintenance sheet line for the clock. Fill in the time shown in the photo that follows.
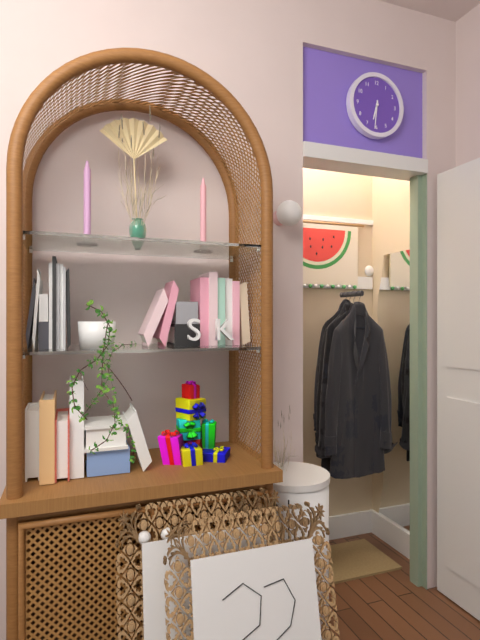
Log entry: 6:31
